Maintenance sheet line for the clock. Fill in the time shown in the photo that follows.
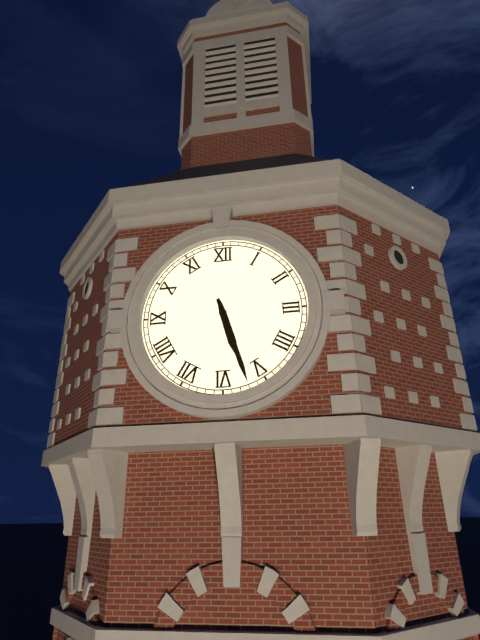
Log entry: 5:27
